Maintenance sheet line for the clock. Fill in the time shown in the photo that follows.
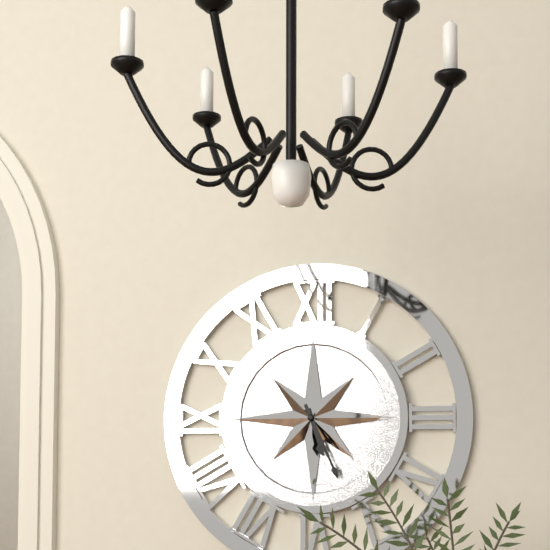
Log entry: 5:26
